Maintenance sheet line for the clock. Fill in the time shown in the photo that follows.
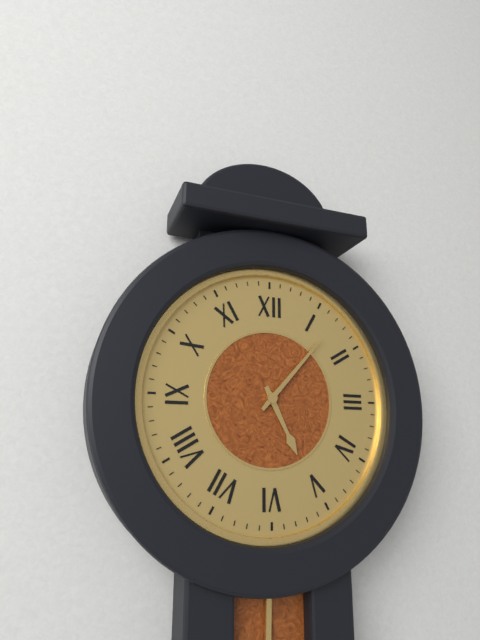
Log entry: 5:07
